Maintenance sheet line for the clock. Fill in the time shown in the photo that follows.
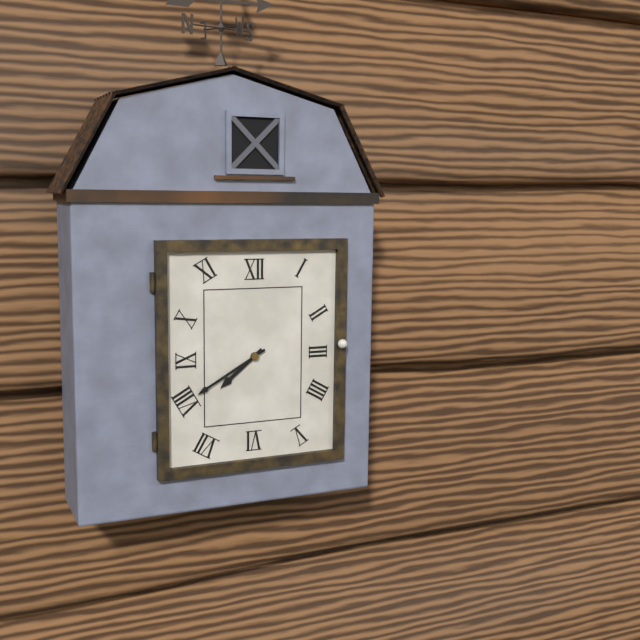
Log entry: 7:40
